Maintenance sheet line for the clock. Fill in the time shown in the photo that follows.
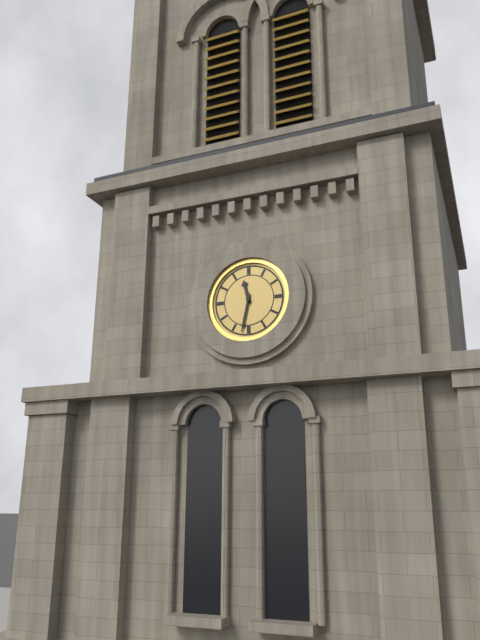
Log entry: 11:32
